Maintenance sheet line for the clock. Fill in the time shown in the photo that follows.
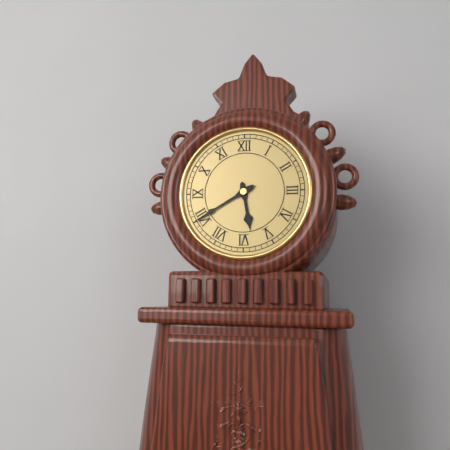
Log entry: 5:40
